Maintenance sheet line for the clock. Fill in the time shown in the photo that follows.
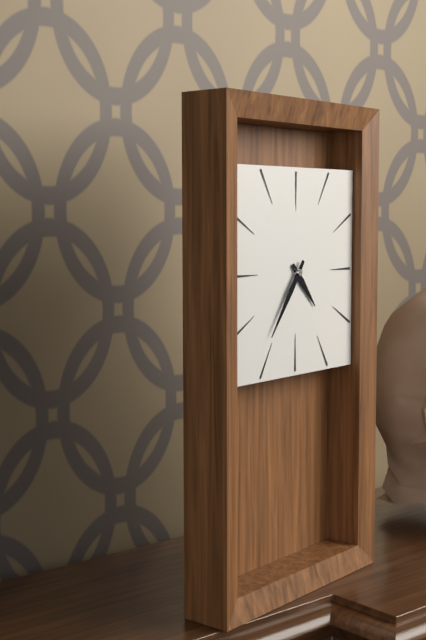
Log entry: 4:36
